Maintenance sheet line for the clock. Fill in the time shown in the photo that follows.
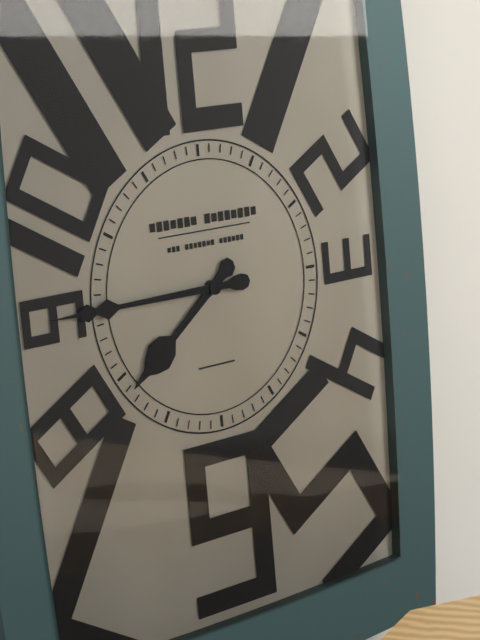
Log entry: 7:45
